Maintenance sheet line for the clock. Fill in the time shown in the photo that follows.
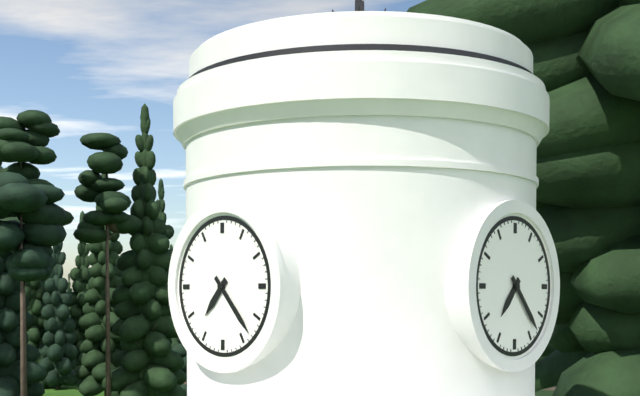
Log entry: 7:23
